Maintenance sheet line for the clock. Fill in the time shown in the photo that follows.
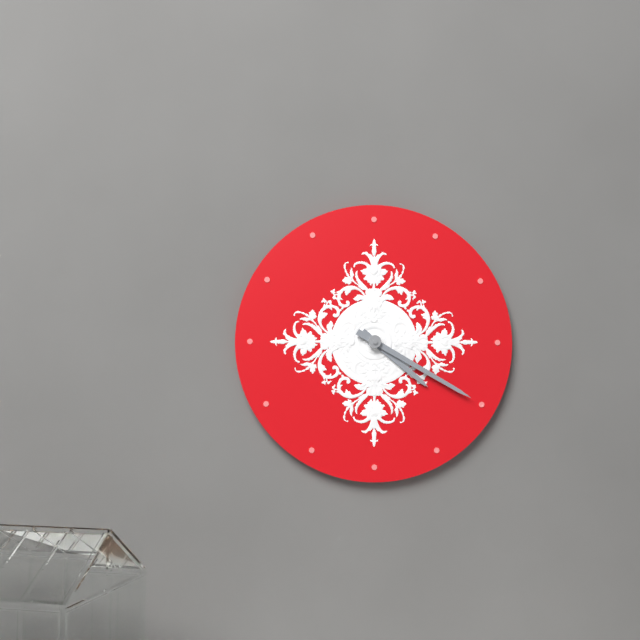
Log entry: 4:20
